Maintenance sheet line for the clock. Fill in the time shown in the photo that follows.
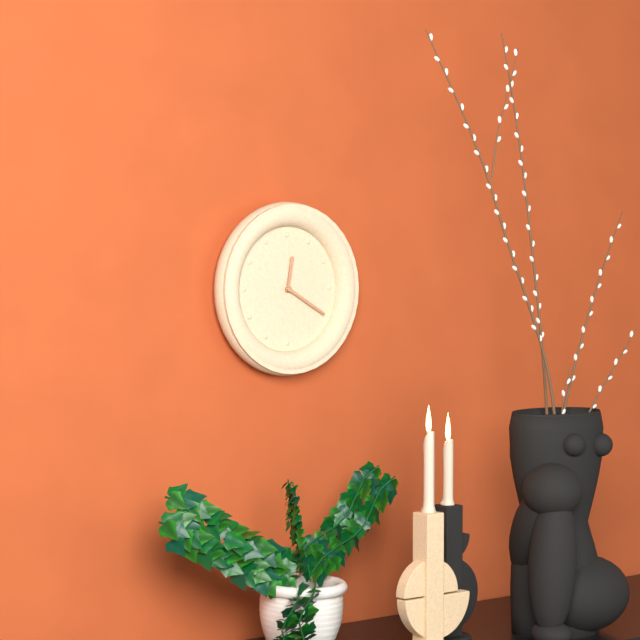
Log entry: 12:20
